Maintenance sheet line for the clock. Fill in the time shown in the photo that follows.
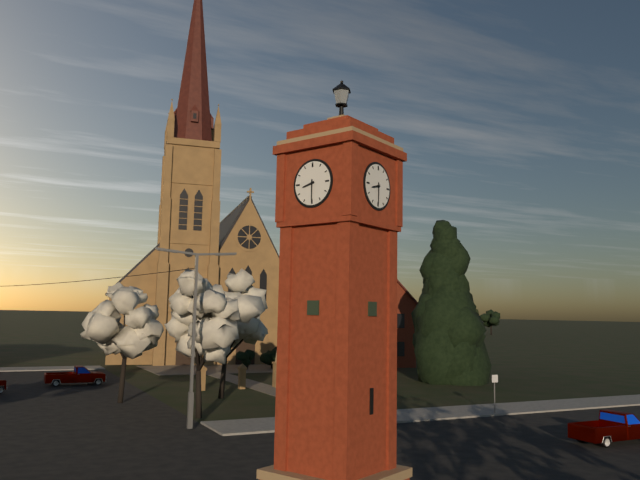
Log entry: 8:30
